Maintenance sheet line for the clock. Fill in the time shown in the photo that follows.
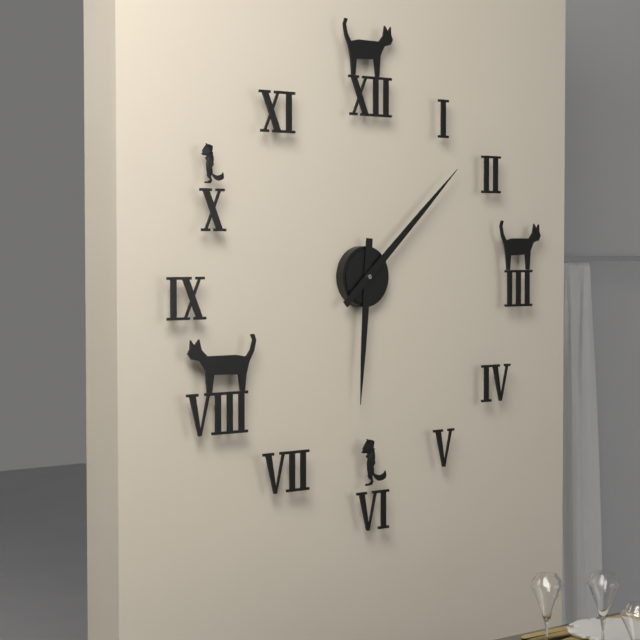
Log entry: 6:08
